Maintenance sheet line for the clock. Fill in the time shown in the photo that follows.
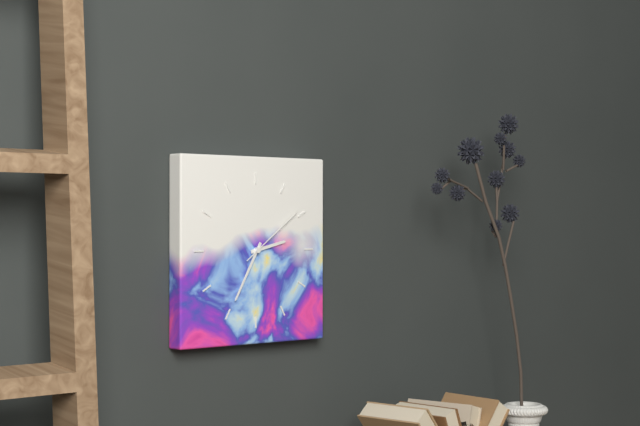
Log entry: 2:35:09
